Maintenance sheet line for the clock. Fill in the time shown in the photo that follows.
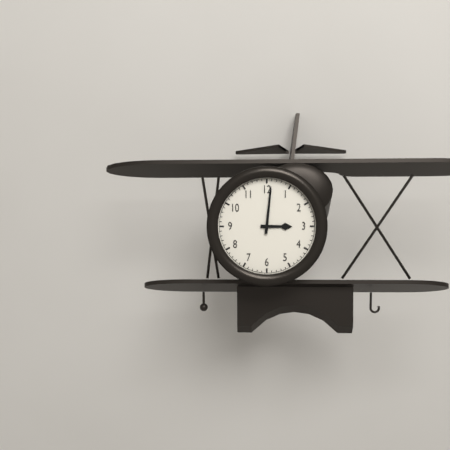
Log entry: 3:01
